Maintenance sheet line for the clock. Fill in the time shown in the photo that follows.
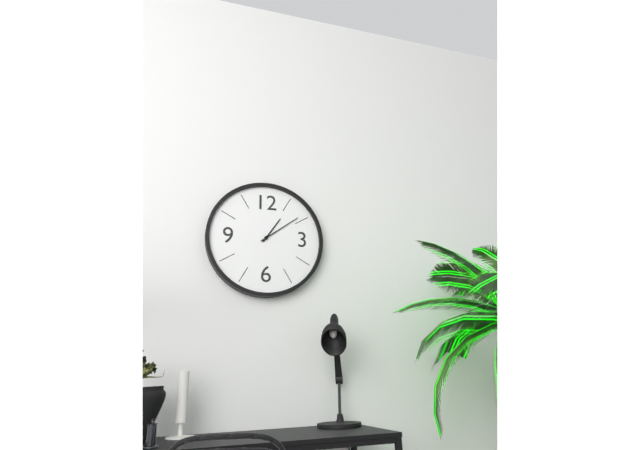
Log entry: 1:09
